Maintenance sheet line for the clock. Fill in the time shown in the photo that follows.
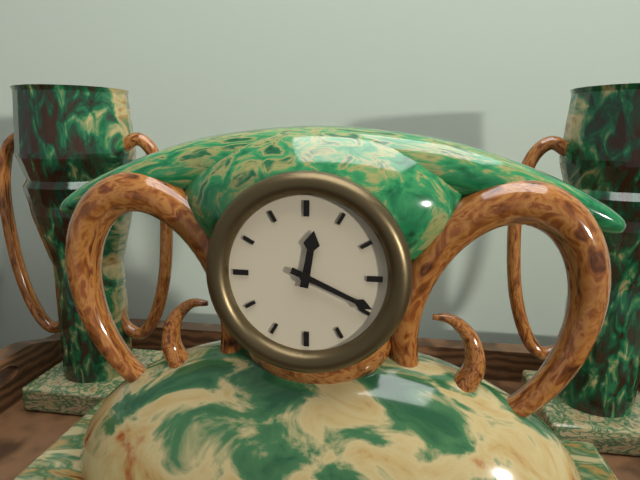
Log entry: 12:19
